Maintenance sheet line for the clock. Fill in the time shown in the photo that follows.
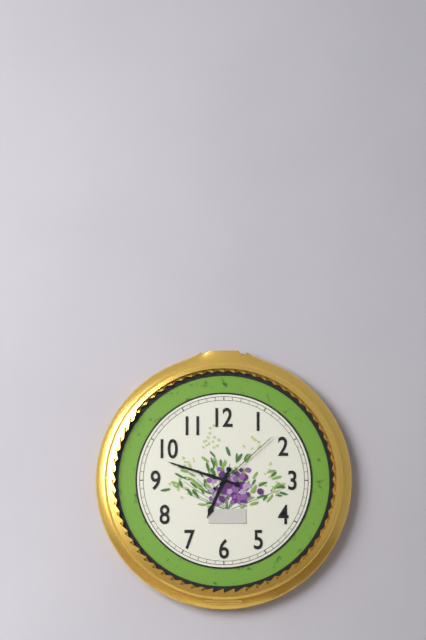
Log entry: 6:48:08
